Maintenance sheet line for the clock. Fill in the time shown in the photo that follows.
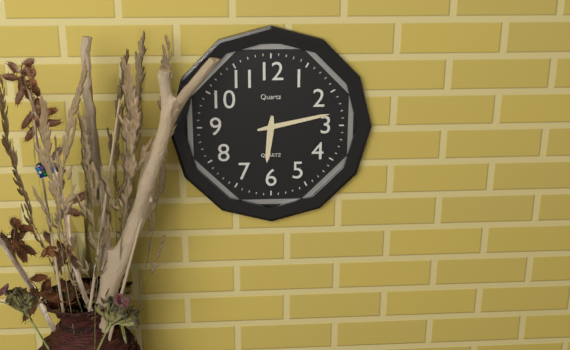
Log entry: 6:13
